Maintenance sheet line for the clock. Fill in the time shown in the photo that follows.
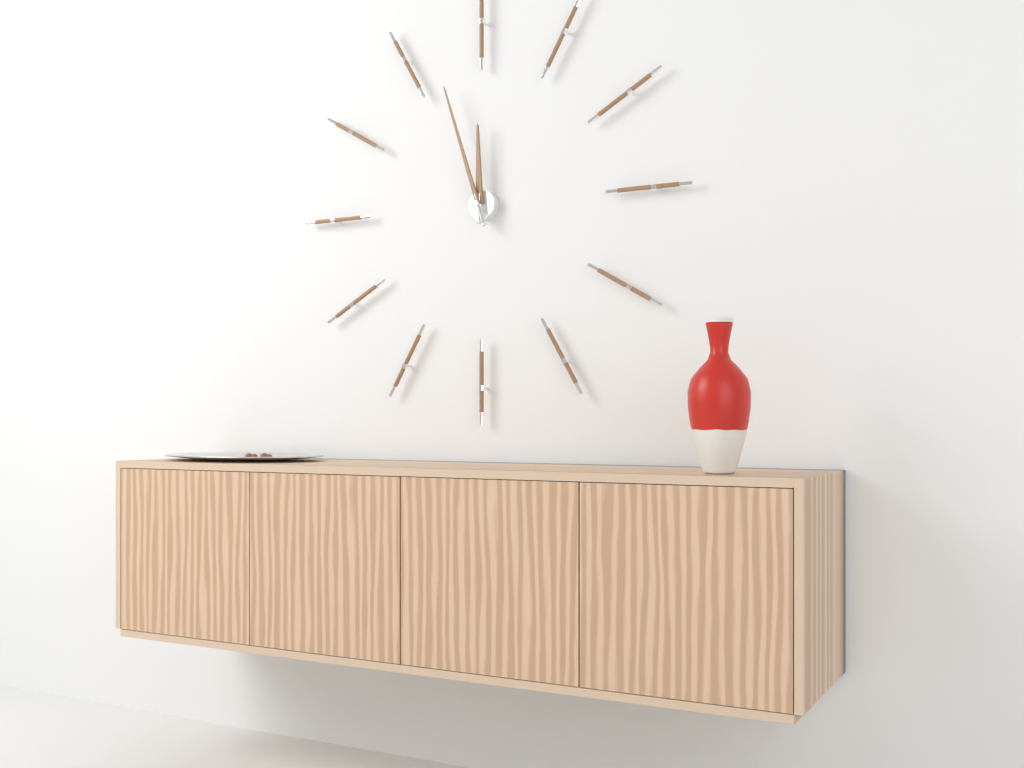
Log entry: 11:57
